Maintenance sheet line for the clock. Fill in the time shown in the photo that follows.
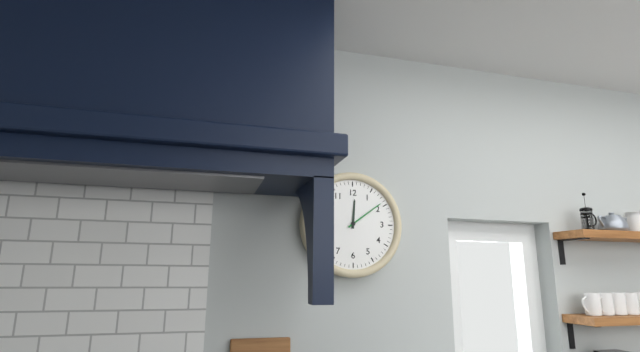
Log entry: 12:09
